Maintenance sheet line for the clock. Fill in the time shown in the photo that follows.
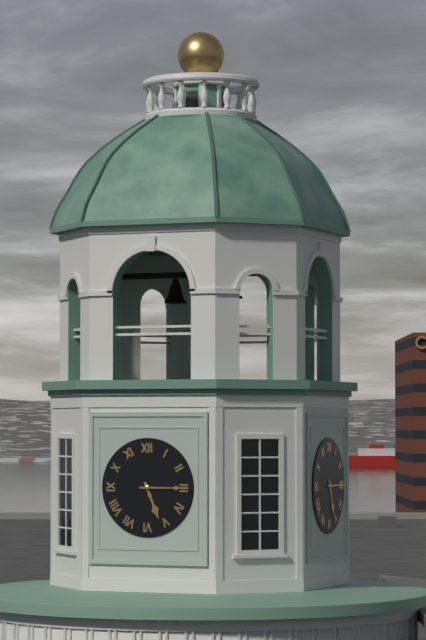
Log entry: 5:15
